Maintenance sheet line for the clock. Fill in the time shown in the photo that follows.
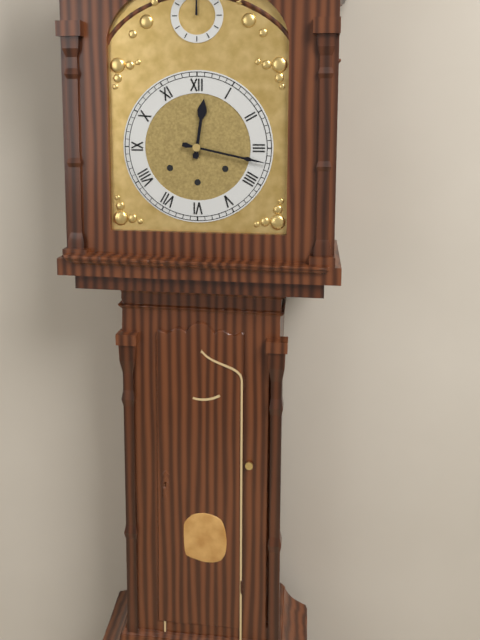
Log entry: 12:17
